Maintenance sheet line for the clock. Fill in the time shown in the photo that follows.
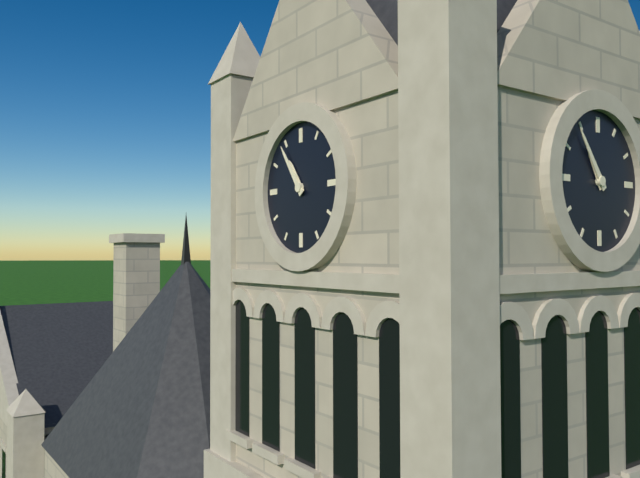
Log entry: 10:54
